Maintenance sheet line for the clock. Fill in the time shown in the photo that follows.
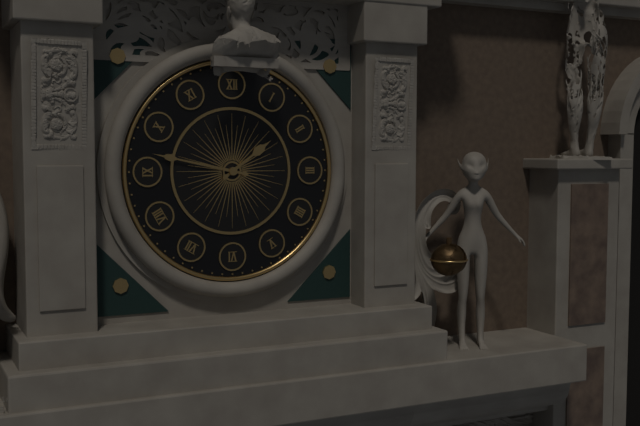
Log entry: 1:47
